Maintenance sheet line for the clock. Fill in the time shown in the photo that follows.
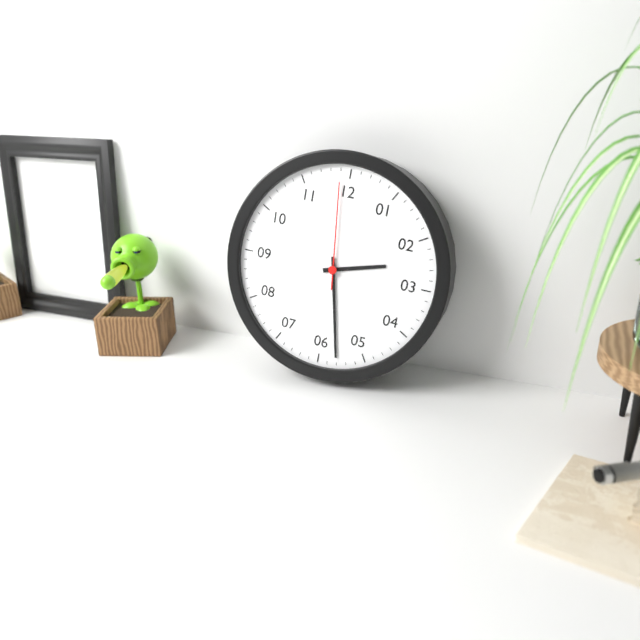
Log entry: 2:28:59
